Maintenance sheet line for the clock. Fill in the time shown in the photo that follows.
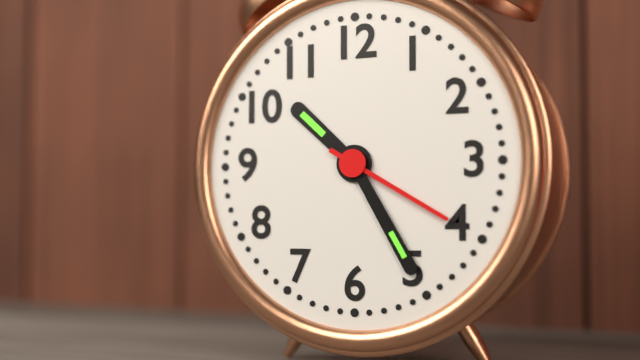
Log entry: 10:25:20
